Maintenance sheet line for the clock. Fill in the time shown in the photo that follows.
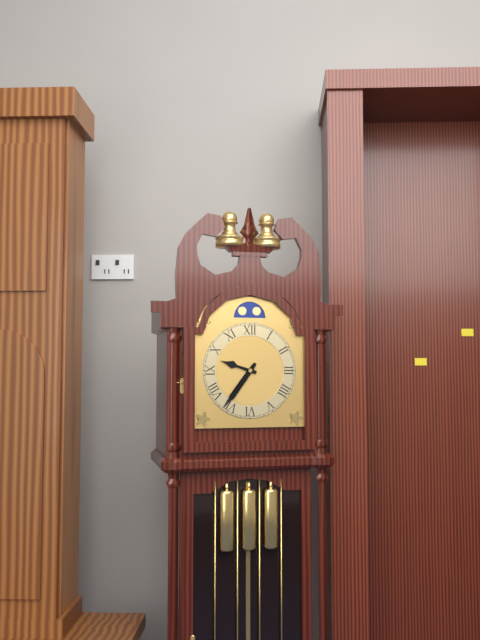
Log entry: 9:36
